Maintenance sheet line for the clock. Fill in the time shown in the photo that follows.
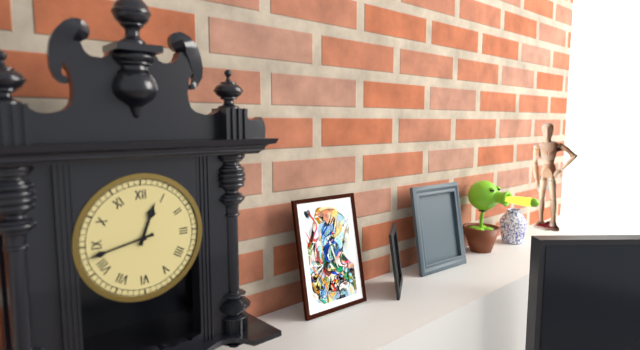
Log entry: 12:43
